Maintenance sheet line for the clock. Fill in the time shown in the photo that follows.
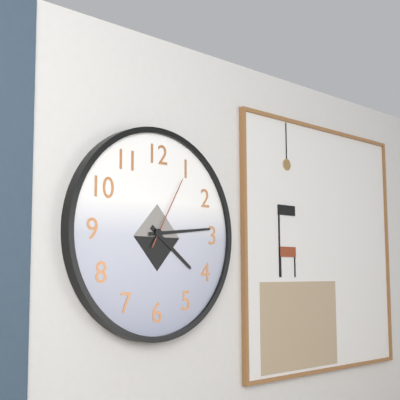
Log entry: 4:14:05
